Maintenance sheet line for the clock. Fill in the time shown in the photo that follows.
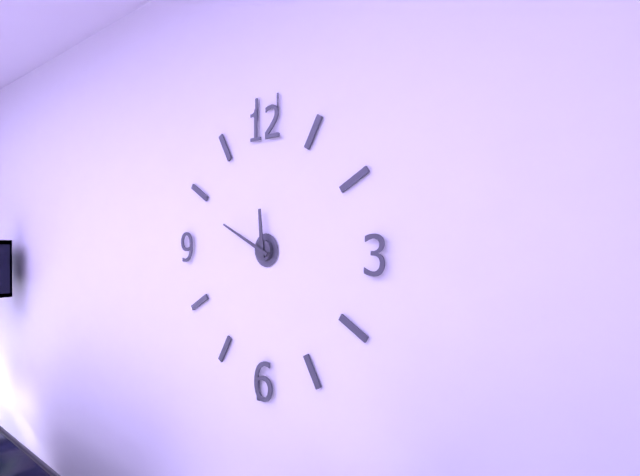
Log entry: 11:49
